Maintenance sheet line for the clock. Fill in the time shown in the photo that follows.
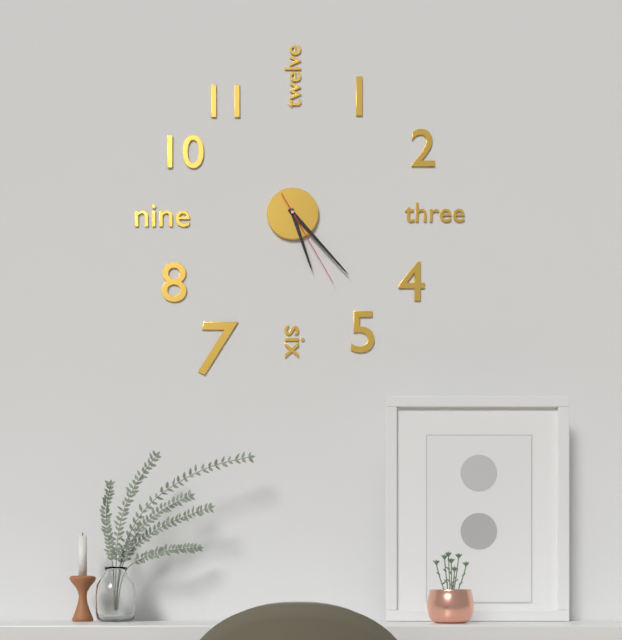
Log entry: 5:23:25
